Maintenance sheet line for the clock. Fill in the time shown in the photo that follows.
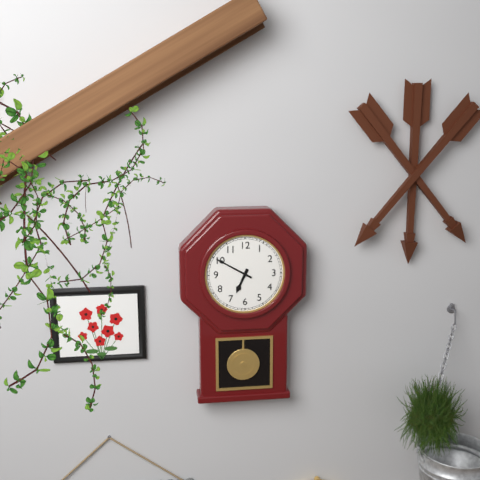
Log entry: 6:50
